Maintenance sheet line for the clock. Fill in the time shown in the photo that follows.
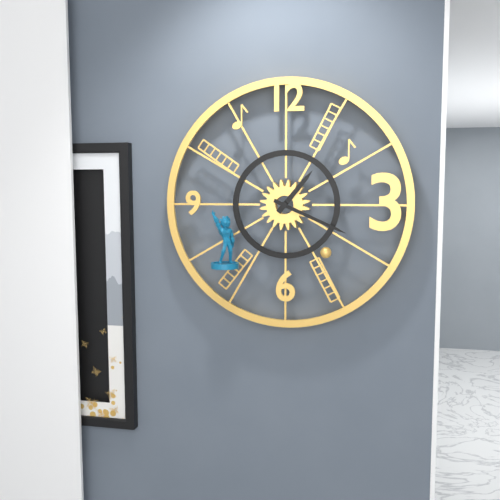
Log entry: 1:19
